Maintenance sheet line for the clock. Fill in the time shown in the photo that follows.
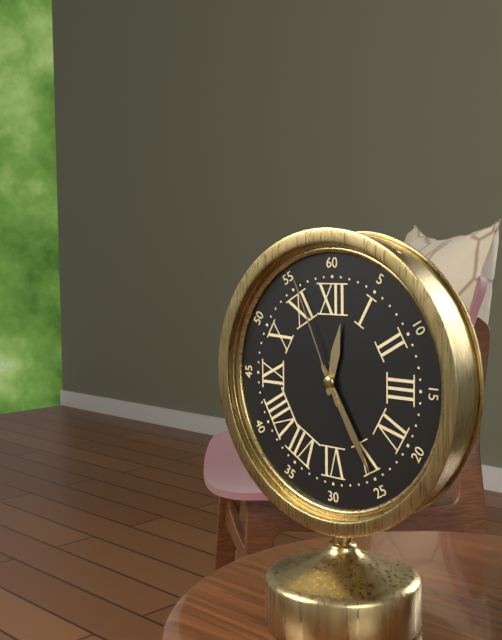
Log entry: 12:25:56
